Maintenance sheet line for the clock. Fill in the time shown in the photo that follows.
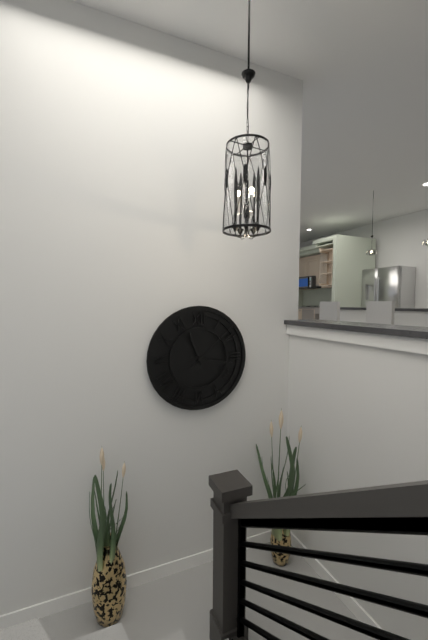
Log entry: 11:17:08
